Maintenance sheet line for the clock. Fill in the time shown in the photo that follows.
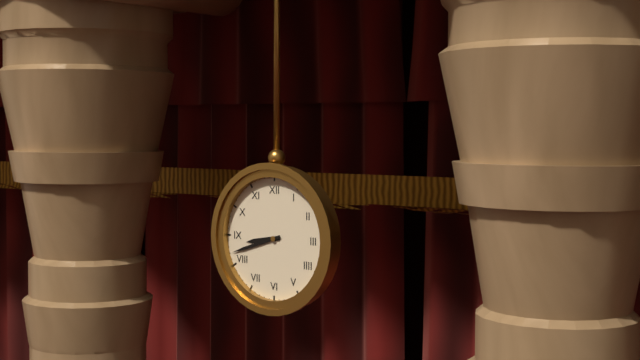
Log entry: 8:42
